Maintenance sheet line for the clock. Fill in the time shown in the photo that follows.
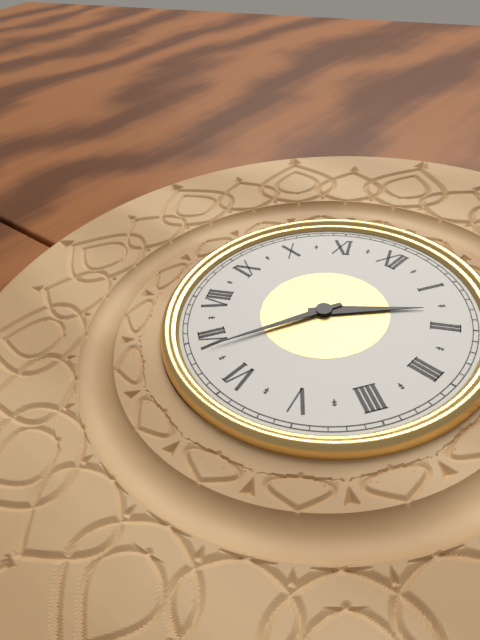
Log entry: 1:34
